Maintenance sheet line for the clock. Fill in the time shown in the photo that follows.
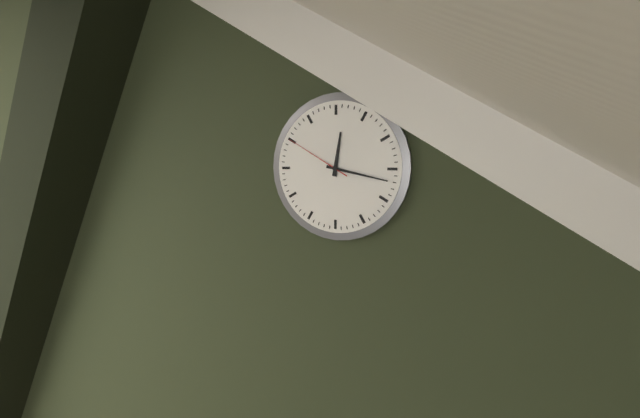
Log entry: 12:17:50
